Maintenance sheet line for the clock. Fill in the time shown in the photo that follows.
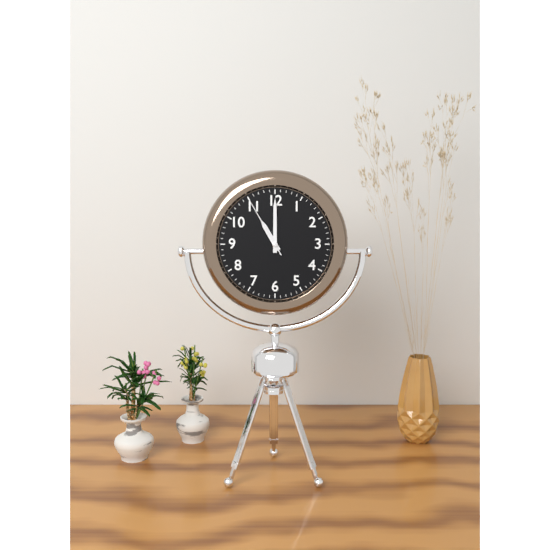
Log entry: 11:00:55
